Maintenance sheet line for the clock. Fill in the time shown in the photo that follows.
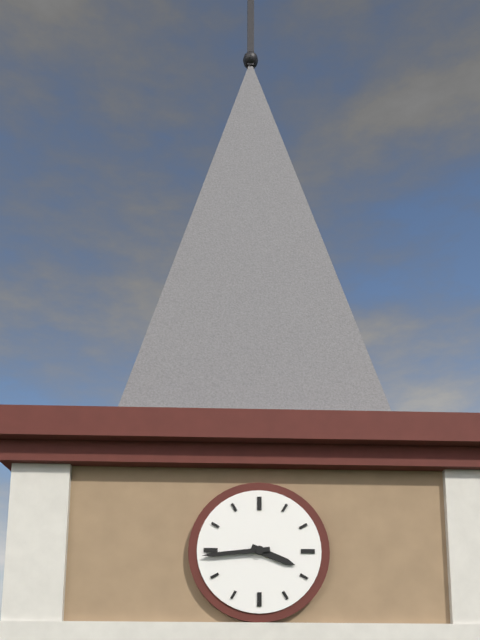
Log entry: 3:44
